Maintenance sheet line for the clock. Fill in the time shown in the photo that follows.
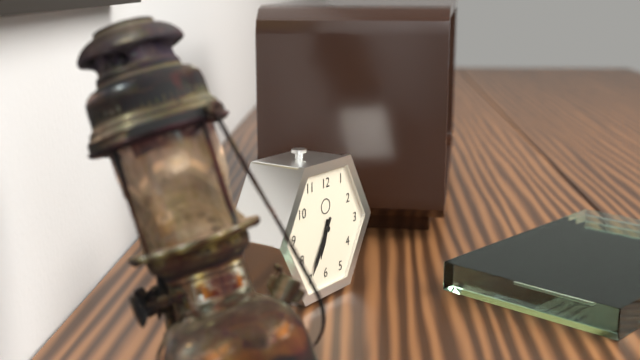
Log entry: 6:35
